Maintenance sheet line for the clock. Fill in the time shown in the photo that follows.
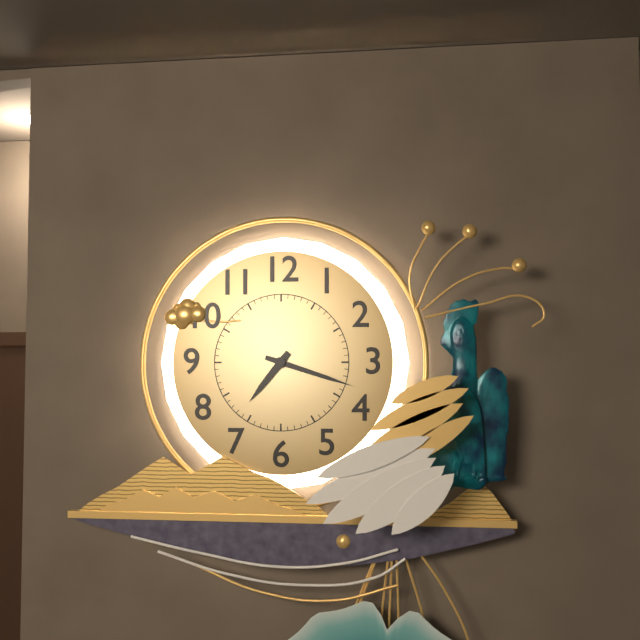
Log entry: 7:18
